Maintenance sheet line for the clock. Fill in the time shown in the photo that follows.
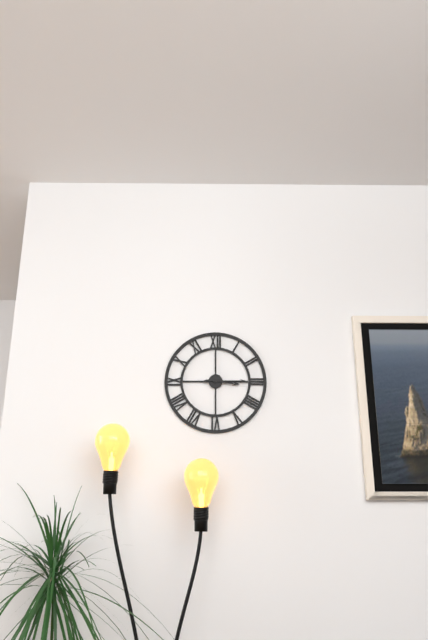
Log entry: 3:15
